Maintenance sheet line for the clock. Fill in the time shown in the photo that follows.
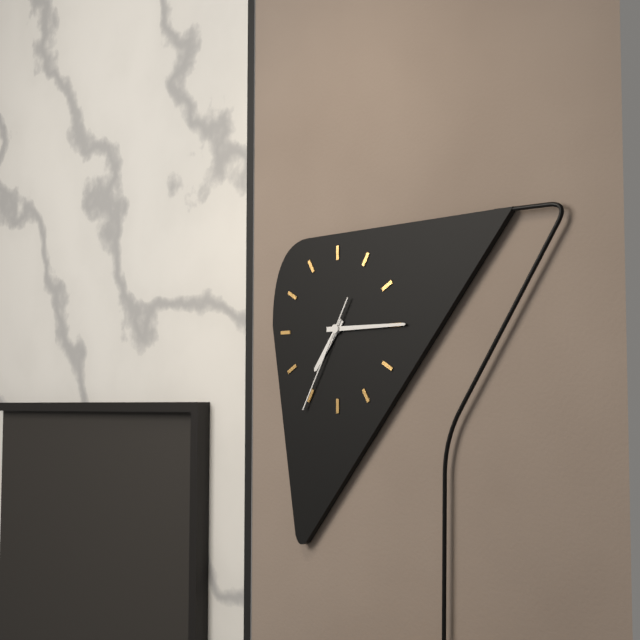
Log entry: 7:15:35
